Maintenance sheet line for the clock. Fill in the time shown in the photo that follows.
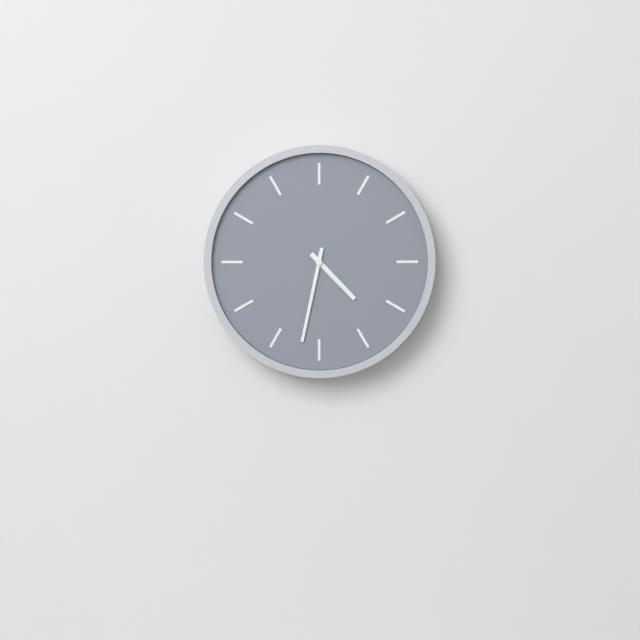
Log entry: 4:32
